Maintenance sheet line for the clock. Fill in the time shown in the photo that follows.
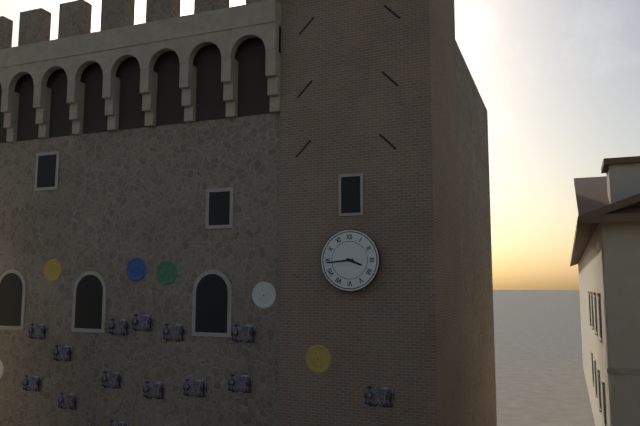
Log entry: 3:44
